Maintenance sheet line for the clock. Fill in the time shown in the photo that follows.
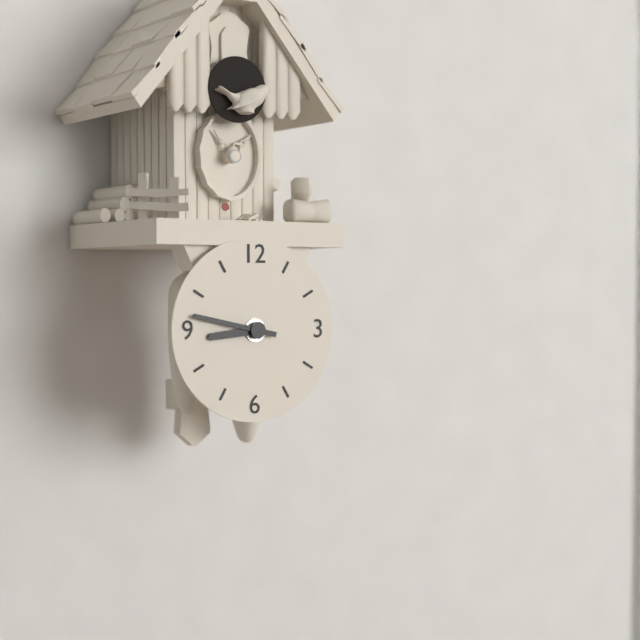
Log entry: 8:47
